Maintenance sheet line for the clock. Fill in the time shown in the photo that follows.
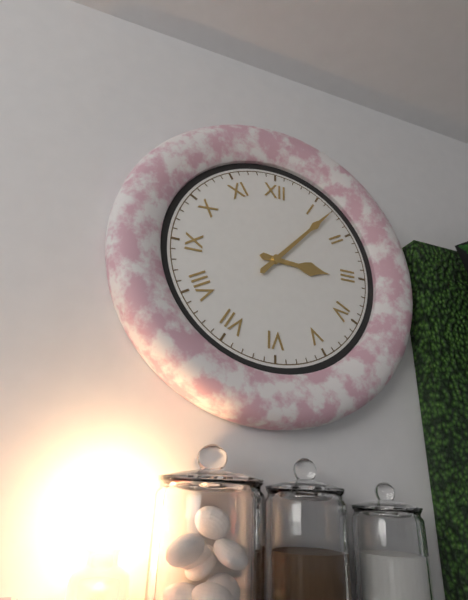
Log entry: 3:07
